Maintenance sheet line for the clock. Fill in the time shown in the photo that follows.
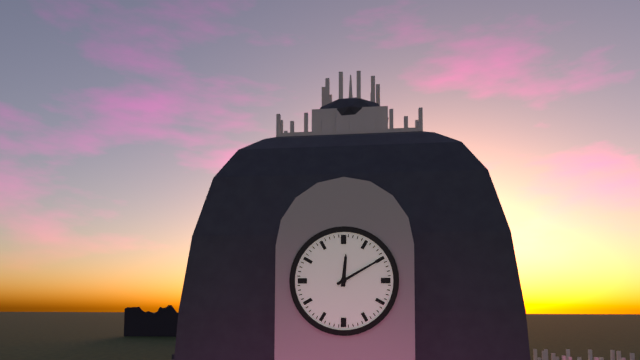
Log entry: 12:10
